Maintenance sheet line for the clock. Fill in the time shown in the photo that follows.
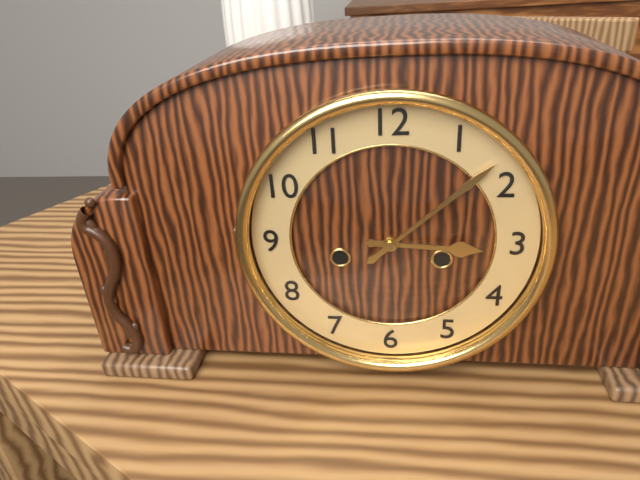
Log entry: 3:08
